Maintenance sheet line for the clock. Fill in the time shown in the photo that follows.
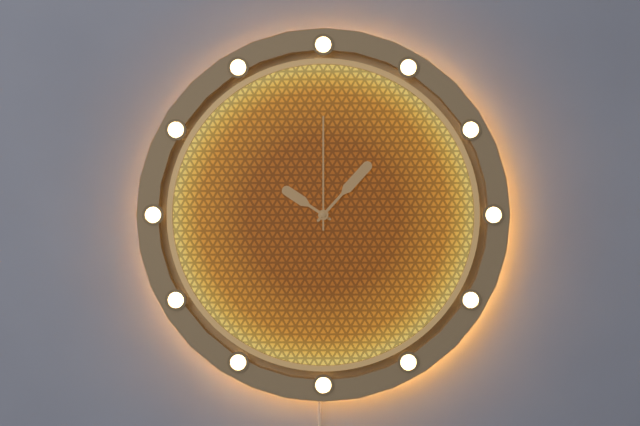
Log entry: 10:07:00
